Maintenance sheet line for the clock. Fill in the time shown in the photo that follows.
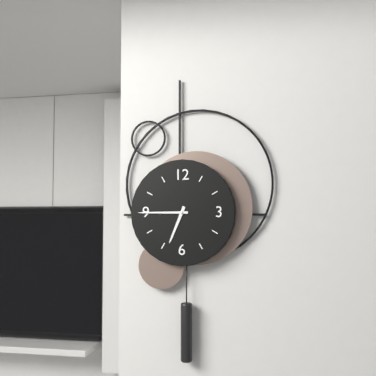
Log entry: 6:45
